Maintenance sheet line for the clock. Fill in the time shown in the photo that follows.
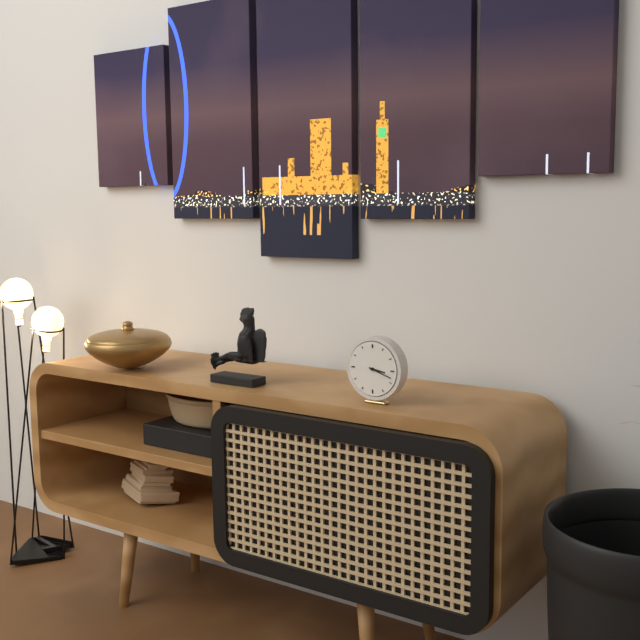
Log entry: 3:18
